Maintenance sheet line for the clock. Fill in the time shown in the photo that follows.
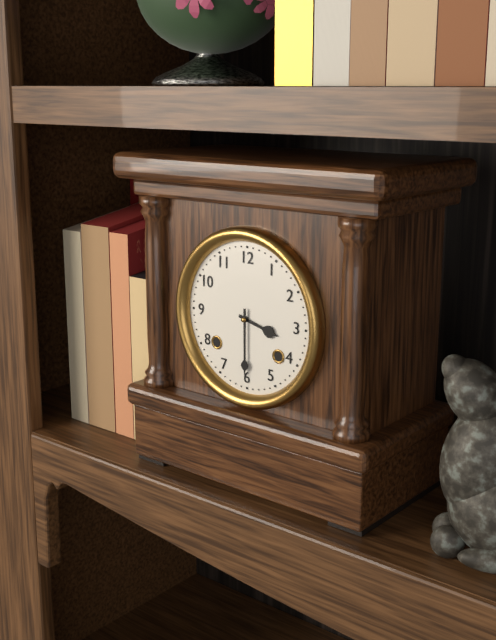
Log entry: 3:30
